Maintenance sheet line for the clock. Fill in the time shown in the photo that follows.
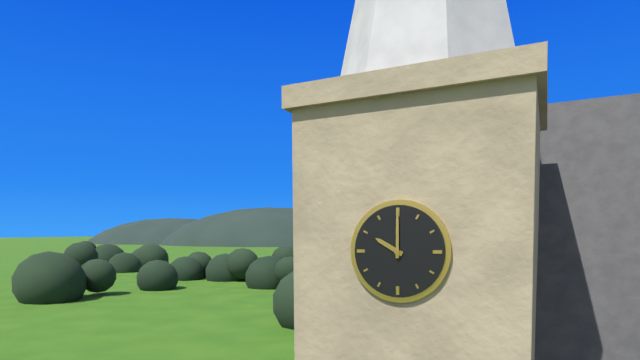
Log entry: 10:00
